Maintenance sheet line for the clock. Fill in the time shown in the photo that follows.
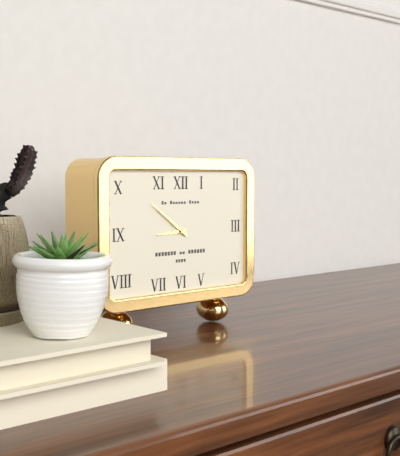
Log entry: 8:51
